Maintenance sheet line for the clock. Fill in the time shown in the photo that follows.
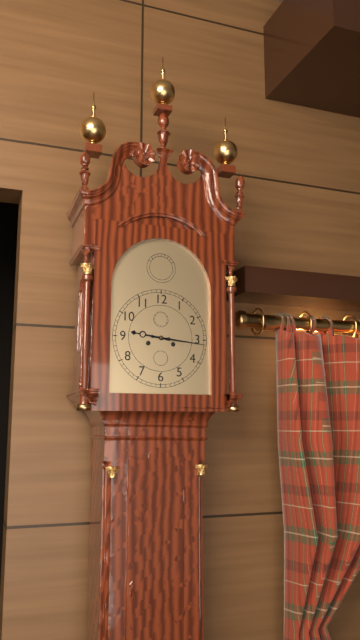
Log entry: 9:16
